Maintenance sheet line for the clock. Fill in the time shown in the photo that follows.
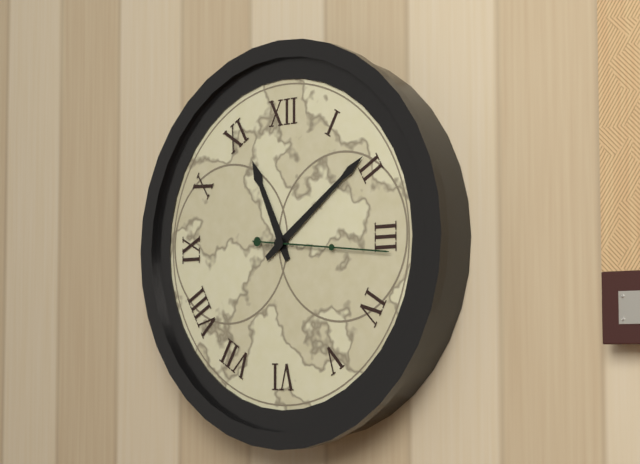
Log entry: 11:09:16
